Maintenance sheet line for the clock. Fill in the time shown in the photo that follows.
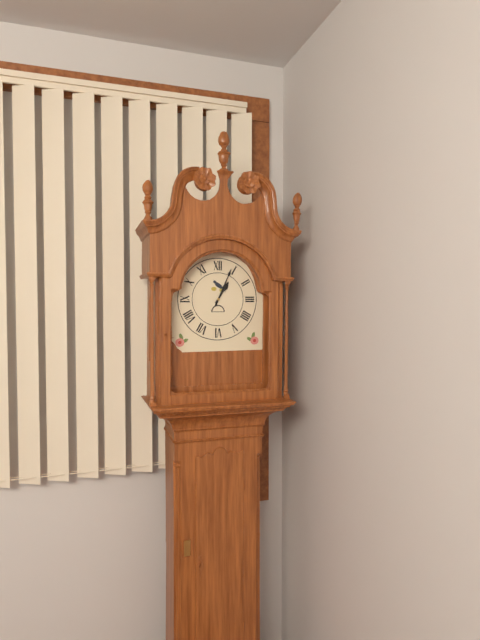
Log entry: 1:04
